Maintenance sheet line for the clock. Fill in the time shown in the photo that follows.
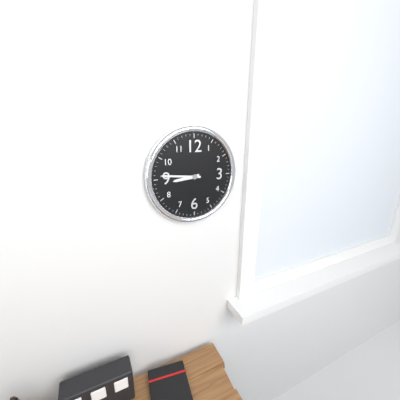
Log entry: 8:46
